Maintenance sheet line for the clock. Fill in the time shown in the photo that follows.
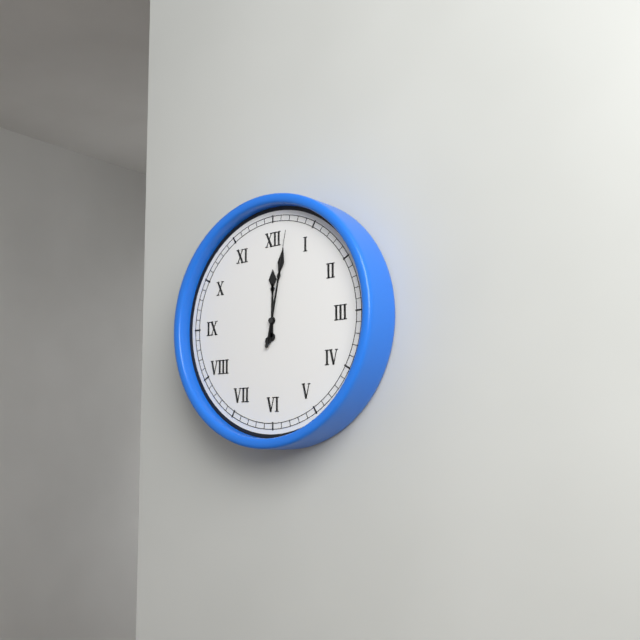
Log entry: 12:02:02
